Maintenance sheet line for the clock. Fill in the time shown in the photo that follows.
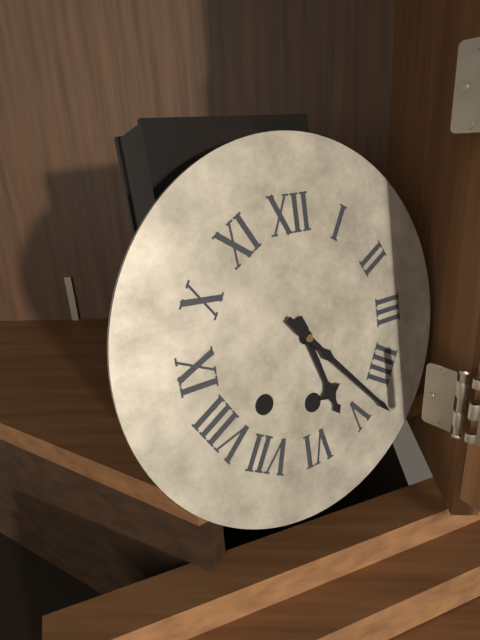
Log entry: 5:23
